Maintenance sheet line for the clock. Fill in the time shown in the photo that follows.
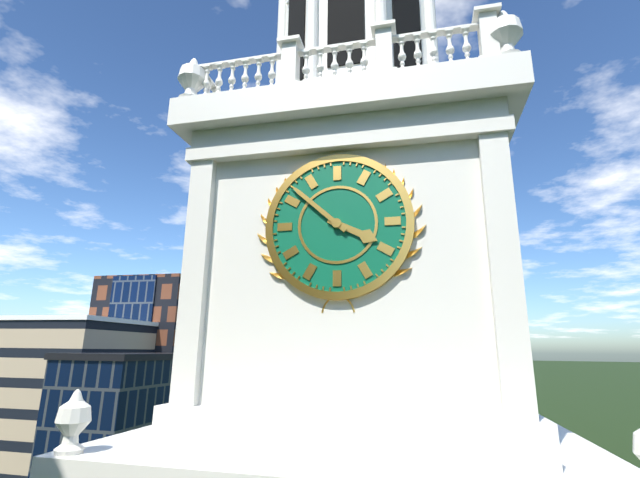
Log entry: 3:52
